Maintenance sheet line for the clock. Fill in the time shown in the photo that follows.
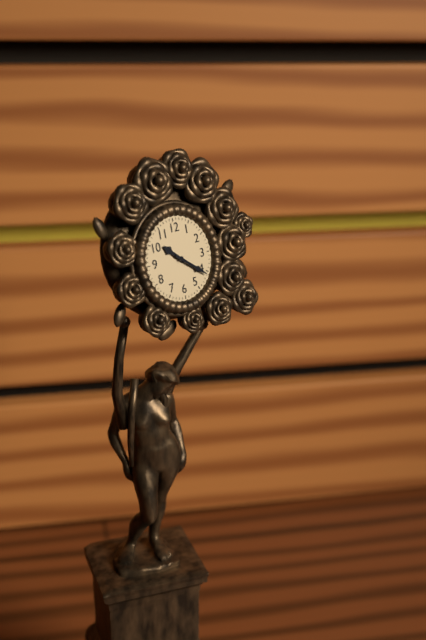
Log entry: 10:21
